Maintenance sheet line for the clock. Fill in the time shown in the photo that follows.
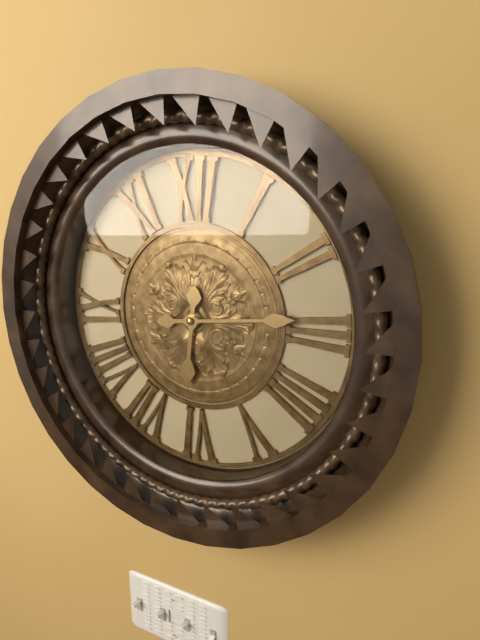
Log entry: 6:14
